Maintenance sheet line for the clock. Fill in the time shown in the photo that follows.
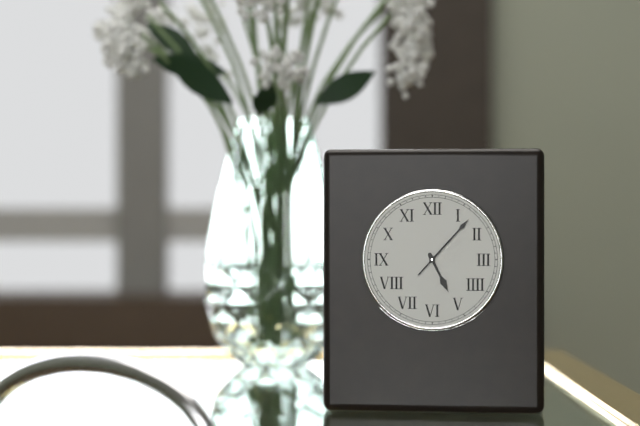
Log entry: 5:07
